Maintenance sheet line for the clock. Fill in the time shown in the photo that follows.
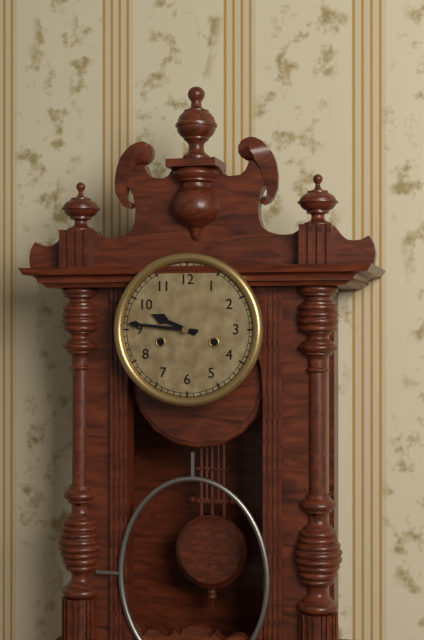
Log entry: 9:46
